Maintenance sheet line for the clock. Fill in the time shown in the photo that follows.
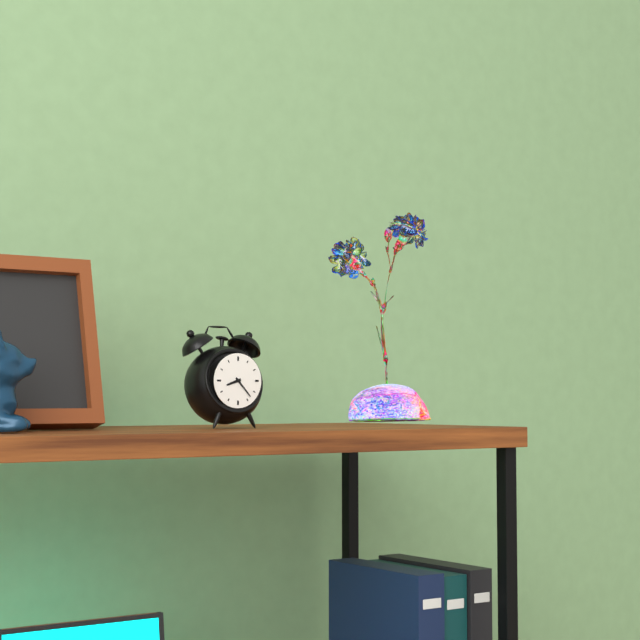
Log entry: 8:23
